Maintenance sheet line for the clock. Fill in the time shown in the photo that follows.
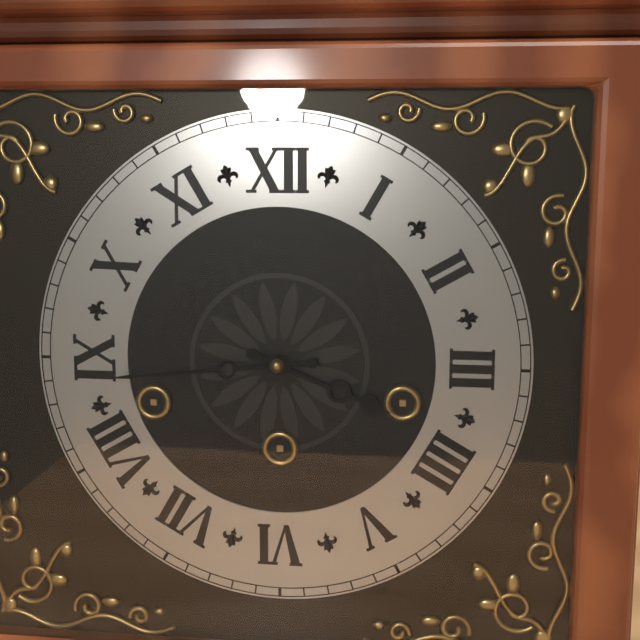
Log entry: 3:44
